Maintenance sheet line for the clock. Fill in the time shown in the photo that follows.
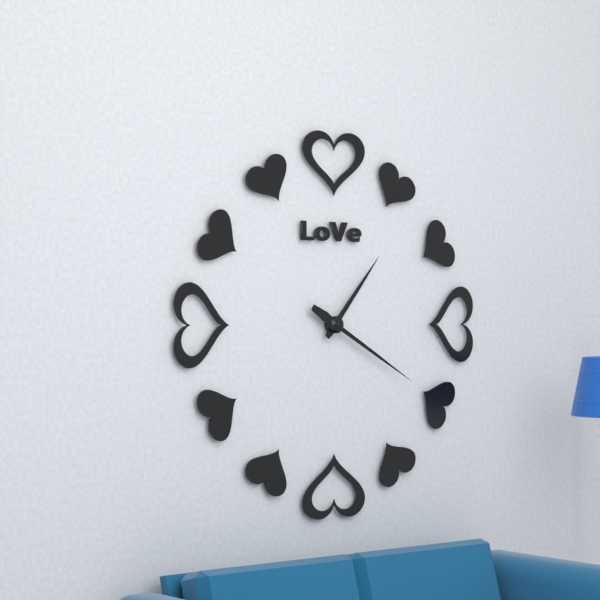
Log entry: 1:20
